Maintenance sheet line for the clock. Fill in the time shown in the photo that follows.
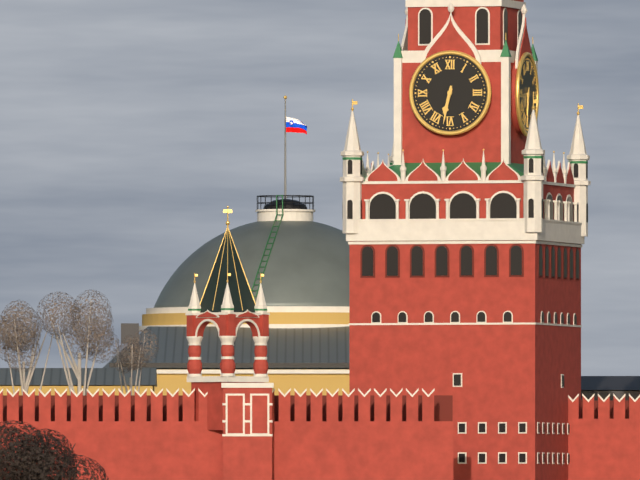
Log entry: 6:32
